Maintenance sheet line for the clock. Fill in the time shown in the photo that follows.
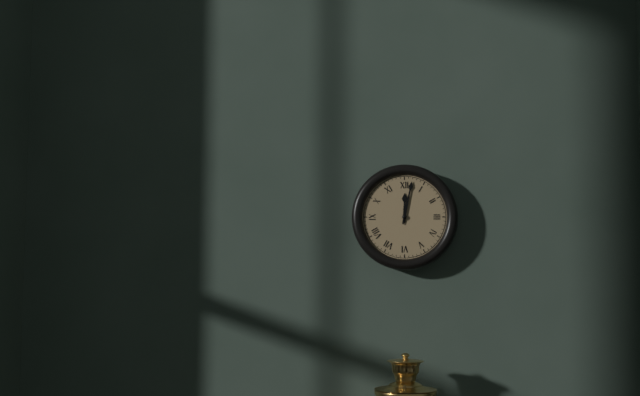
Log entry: 12:02
